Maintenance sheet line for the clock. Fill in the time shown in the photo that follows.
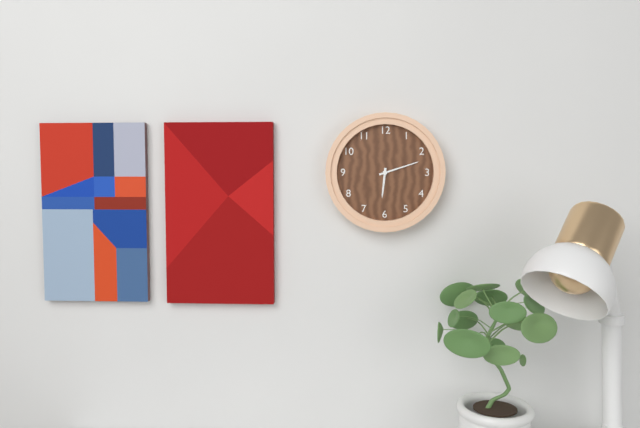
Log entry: 6:12
